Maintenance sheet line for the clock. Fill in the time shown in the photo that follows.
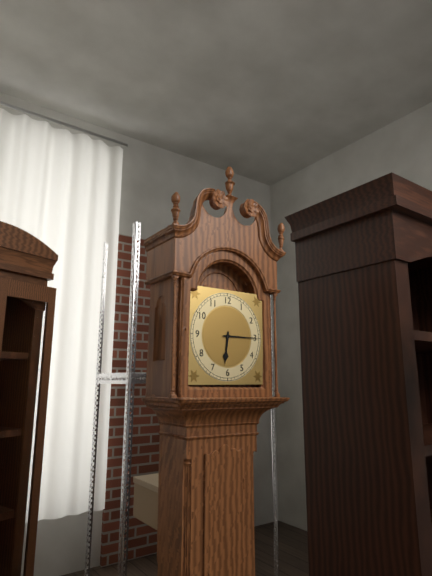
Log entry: 6:15
